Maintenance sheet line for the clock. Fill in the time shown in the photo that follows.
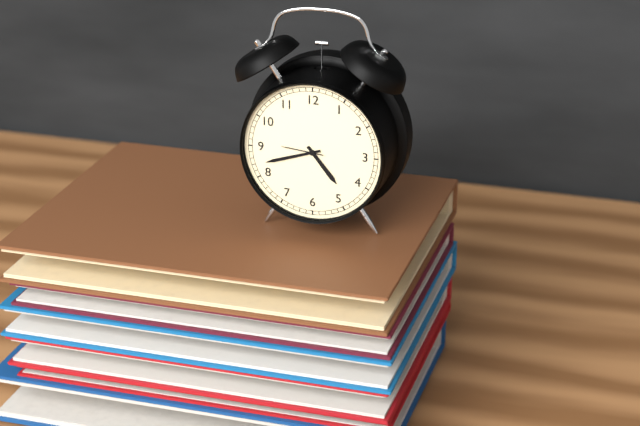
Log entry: 4:42
